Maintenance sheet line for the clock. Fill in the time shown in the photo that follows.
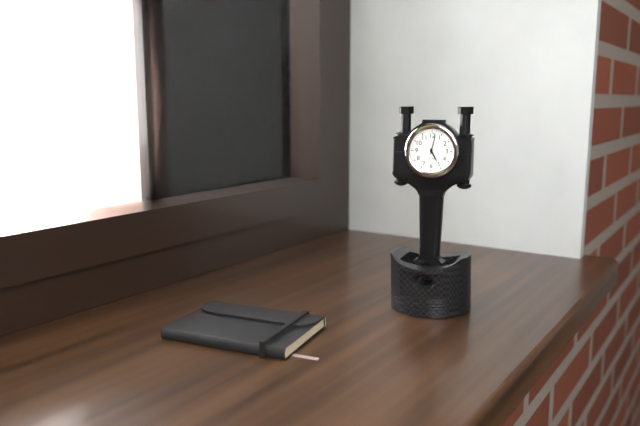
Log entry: 5:02
